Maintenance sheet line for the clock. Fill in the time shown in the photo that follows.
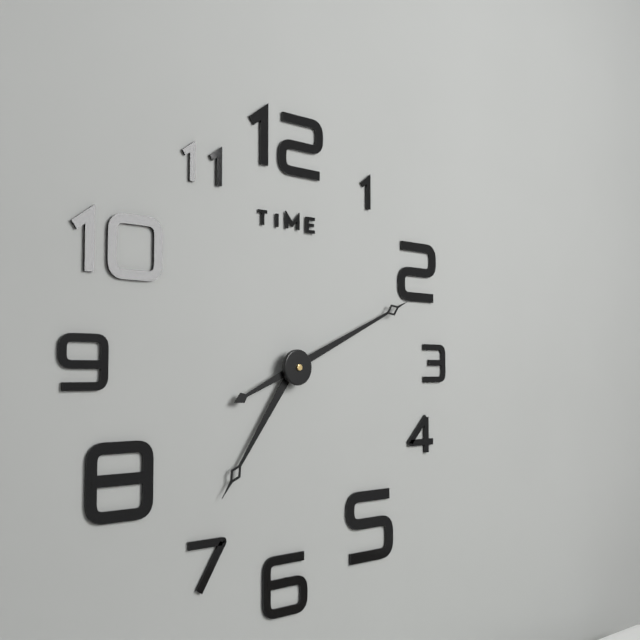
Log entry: 7:11
